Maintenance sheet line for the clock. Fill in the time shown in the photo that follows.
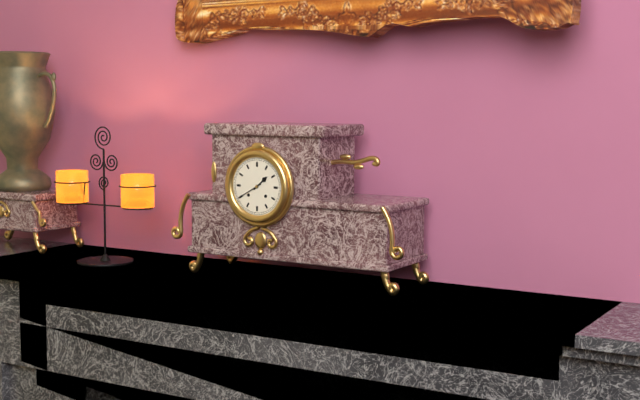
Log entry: 1:40
